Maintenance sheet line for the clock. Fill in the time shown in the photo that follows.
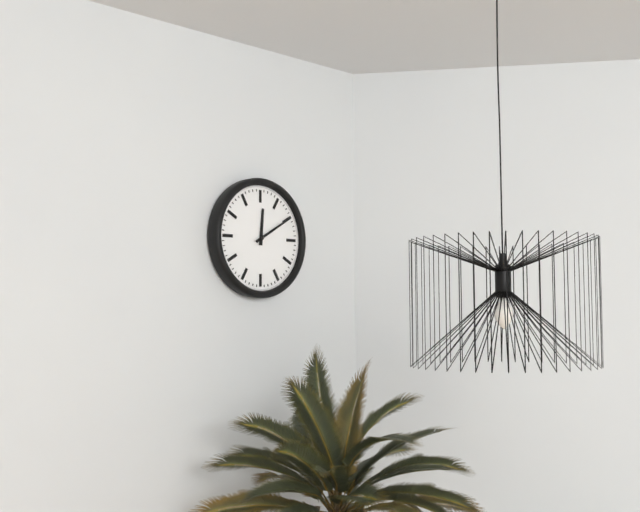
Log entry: 12:10
